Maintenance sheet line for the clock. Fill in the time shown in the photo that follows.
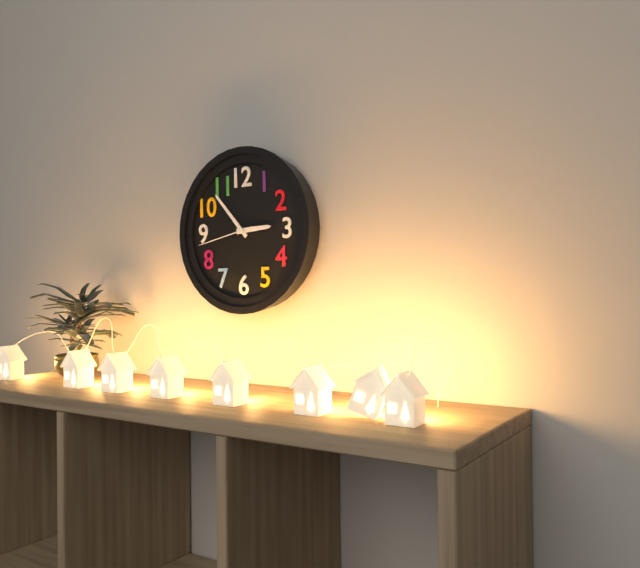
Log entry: 2:53:43
